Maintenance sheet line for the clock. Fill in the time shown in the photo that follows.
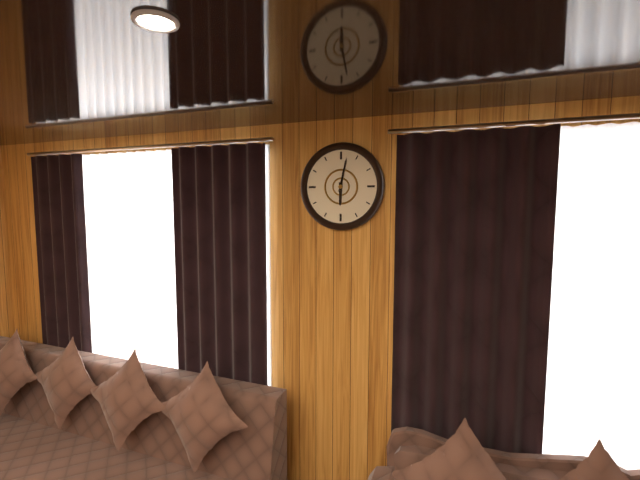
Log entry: 6:02
